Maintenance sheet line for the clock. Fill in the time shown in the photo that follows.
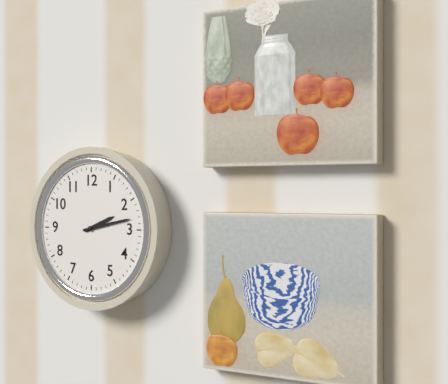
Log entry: 2:13
